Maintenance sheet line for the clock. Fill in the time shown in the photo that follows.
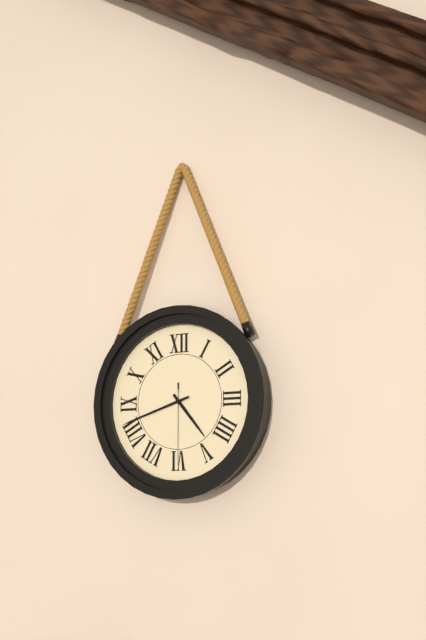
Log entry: 4:42:30
